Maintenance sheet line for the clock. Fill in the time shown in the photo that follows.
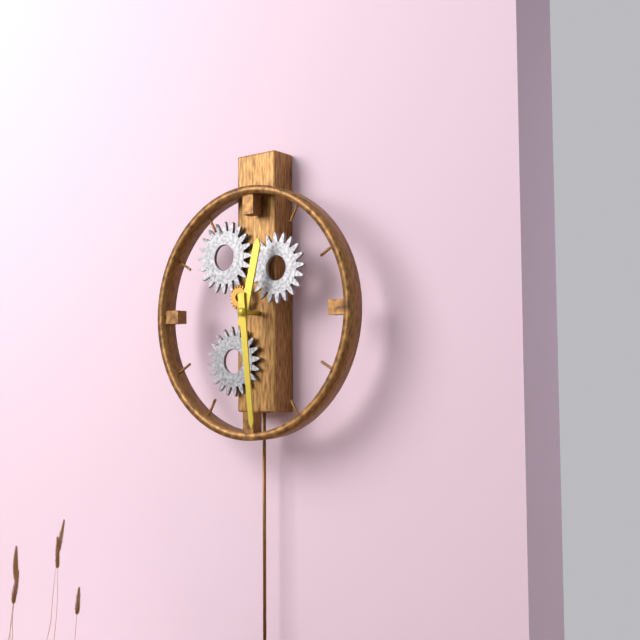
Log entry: 12:29
